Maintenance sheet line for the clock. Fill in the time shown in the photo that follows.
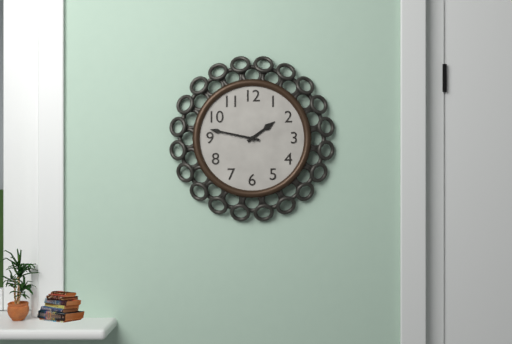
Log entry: 1:47
